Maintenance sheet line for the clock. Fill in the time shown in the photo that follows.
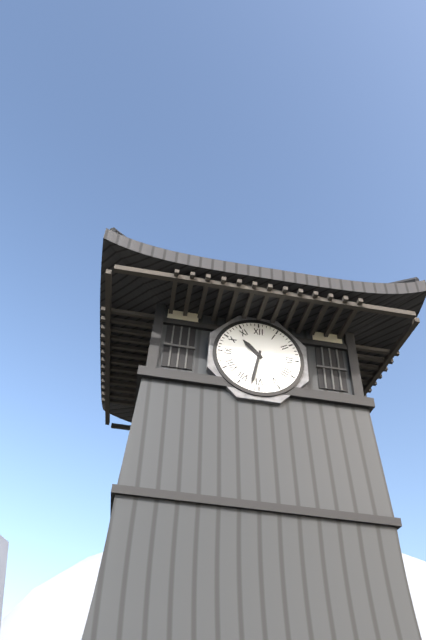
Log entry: 10:32
